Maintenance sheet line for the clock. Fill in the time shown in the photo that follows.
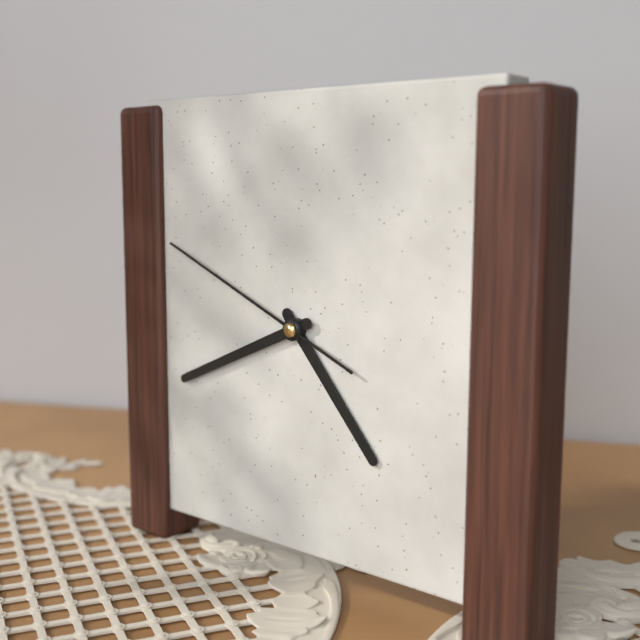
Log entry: 4:41:49
